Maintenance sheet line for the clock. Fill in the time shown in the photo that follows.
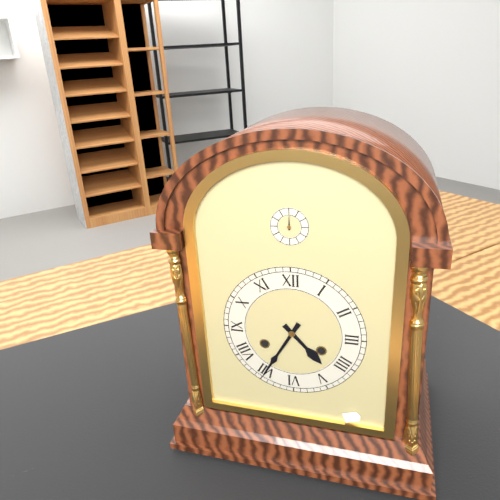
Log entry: 4:35
